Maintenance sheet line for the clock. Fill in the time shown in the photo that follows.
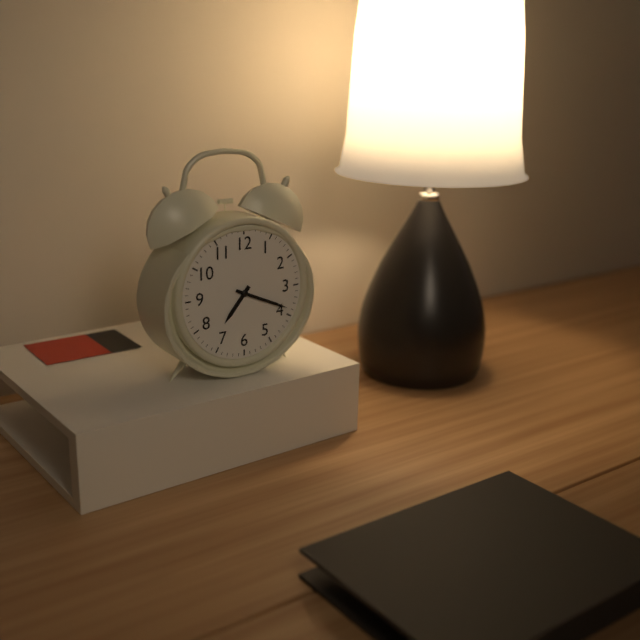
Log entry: 7:19
